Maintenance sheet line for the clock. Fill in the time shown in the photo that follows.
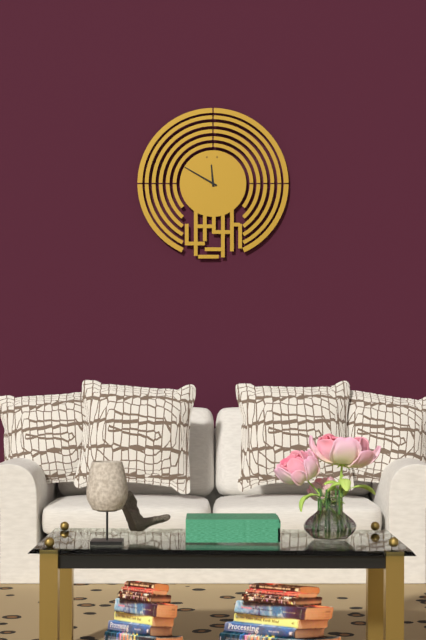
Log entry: 11:50
